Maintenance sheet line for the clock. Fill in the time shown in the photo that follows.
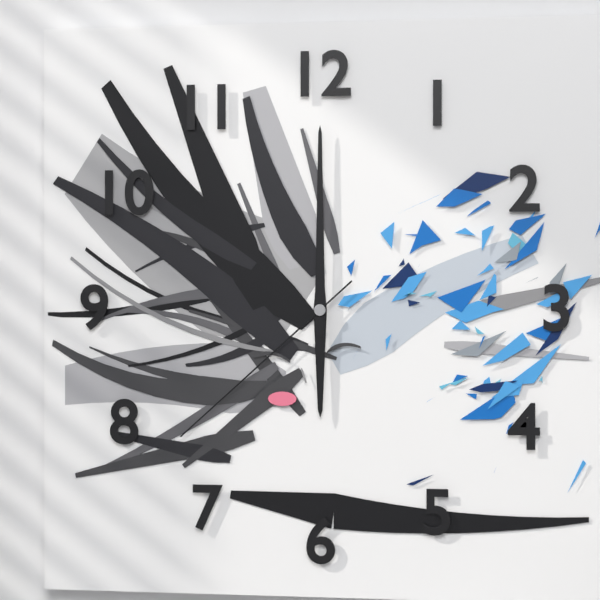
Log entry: 6:00:38
